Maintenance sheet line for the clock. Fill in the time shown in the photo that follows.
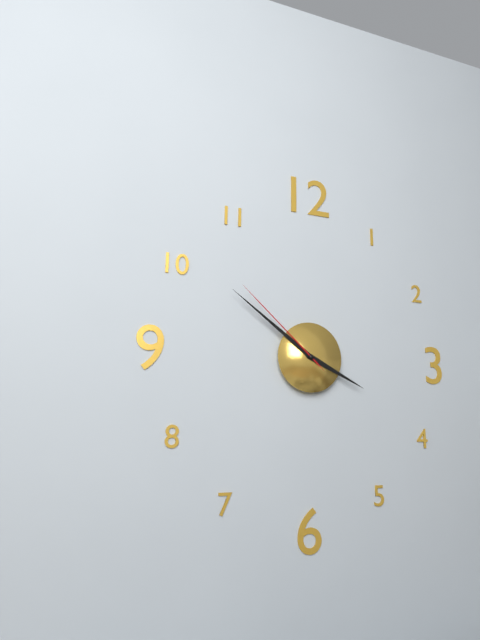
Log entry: 3:51:52
